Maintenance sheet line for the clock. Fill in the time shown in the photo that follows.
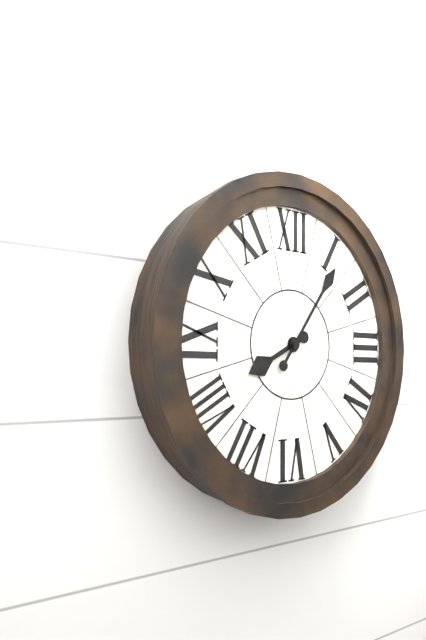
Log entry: 8:06
